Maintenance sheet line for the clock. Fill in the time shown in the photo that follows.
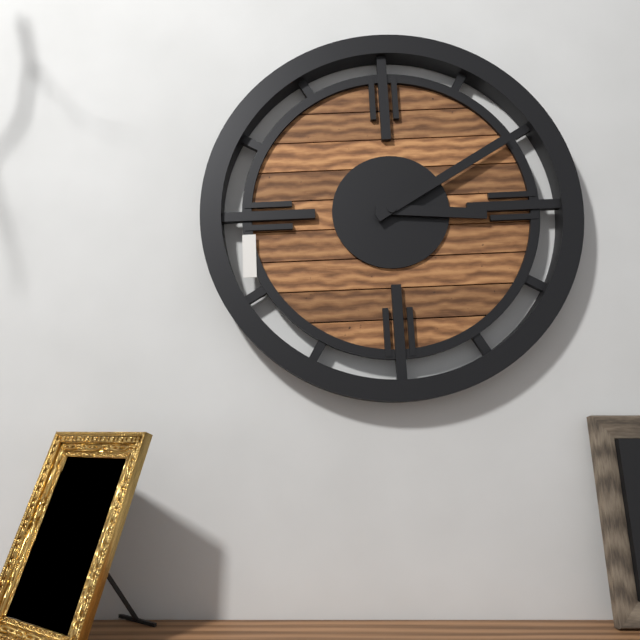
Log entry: 3:10
